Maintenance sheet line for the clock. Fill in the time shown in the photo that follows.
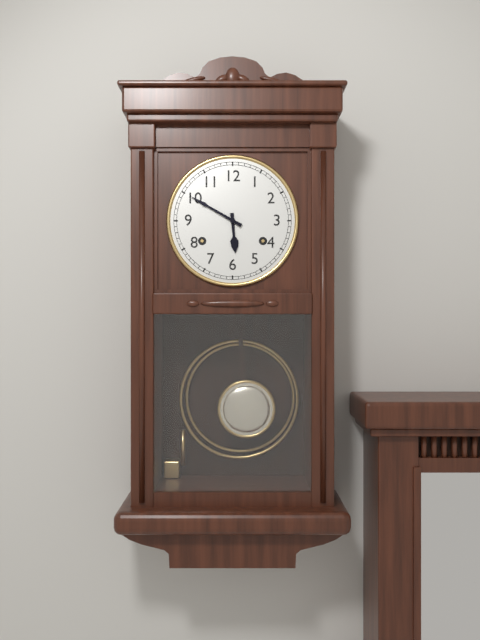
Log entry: 5:50
